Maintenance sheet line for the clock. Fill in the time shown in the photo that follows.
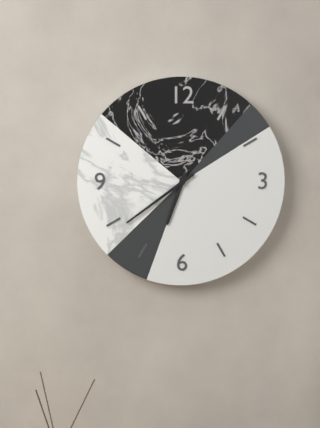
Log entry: 6:39
